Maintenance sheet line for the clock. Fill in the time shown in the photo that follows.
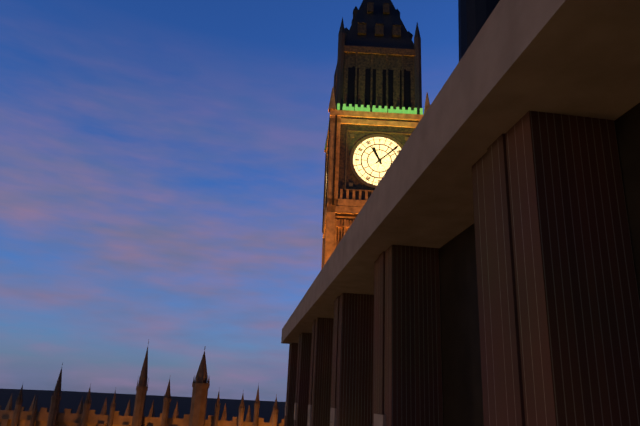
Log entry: 11:08
